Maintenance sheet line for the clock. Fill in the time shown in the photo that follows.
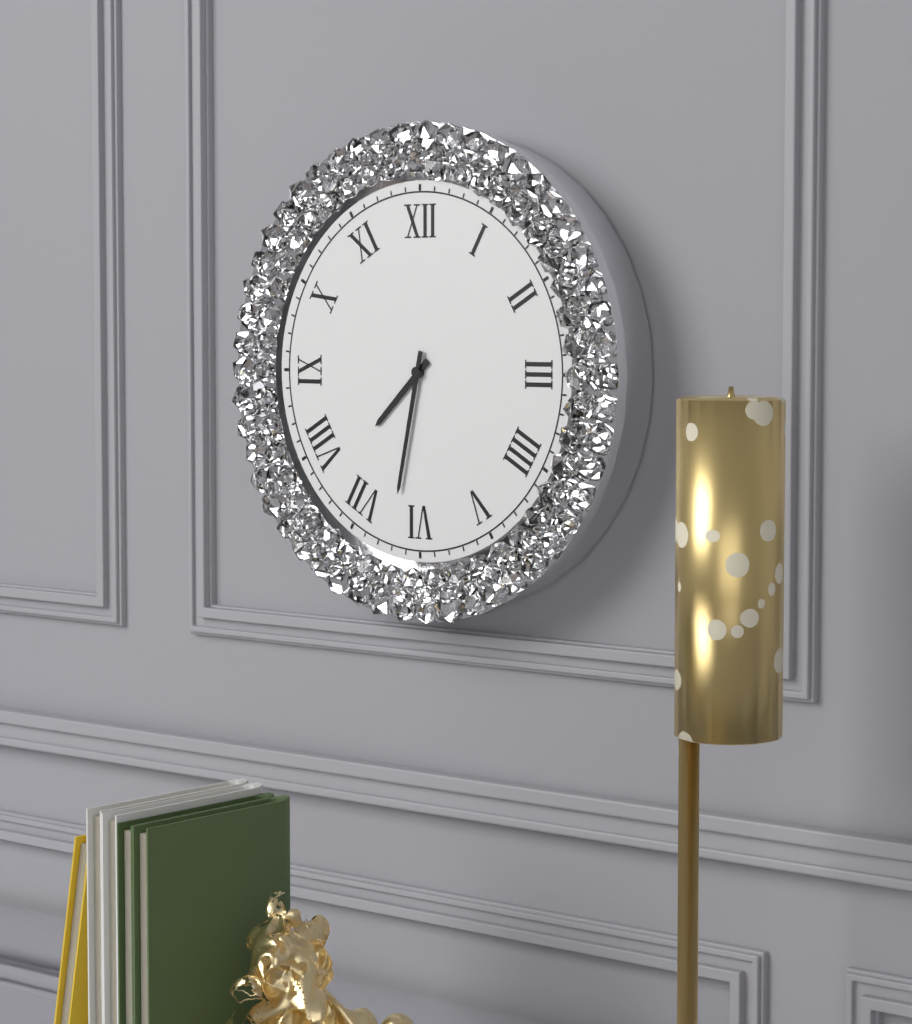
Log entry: 7:32
